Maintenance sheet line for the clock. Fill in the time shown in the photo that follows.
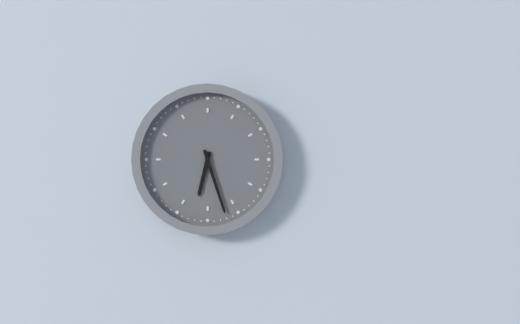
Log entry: 6:27
